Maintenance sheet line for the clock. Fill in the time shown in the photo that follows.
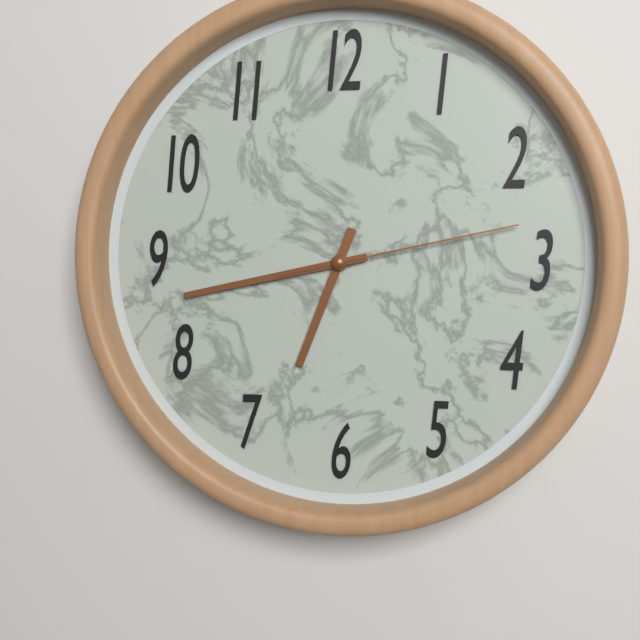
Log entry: 6:43:13
